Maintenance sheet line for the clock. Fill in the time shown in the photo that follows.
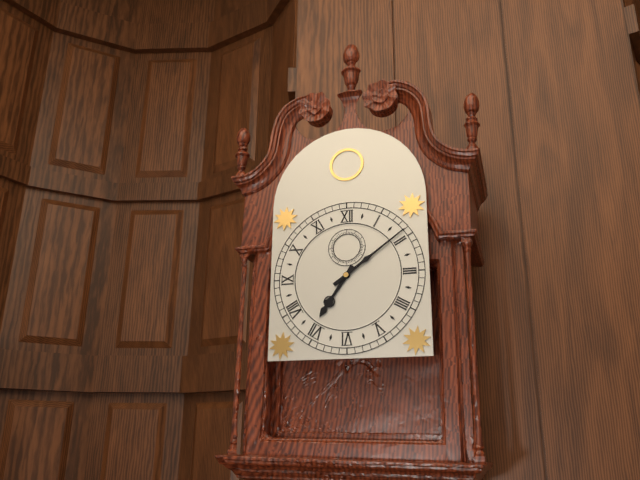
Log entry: 7:09
